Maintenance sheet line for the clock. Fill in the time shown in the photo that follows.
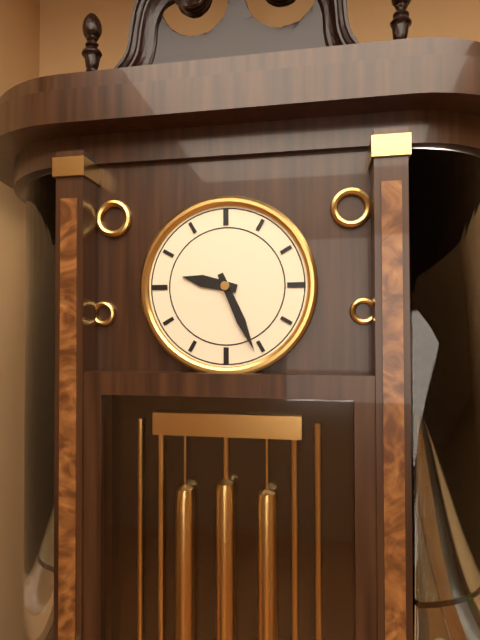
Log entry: 9:26
